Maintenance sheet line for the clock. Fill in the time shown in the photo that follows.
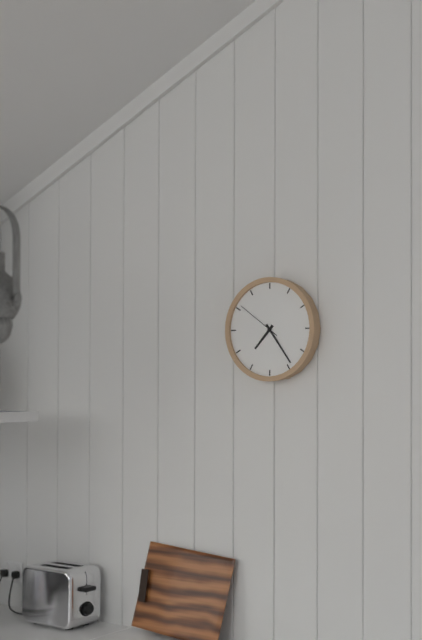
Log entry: 7:24:51
